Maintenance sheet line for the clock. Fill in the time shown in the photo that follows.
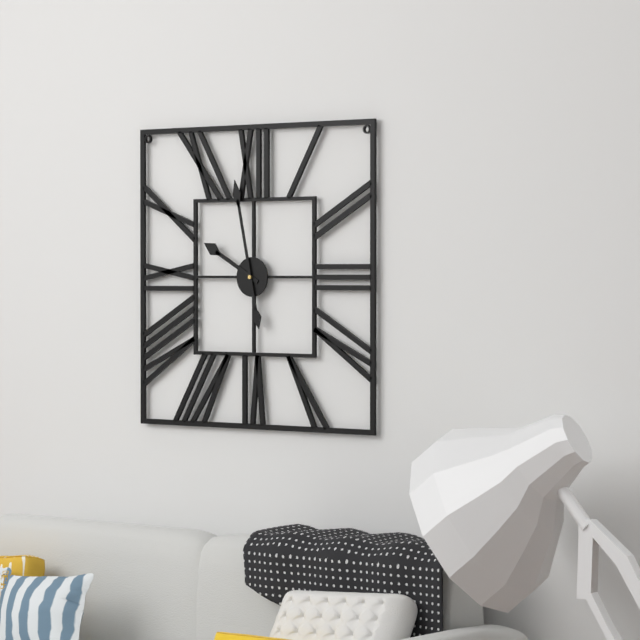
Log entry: 9:58
